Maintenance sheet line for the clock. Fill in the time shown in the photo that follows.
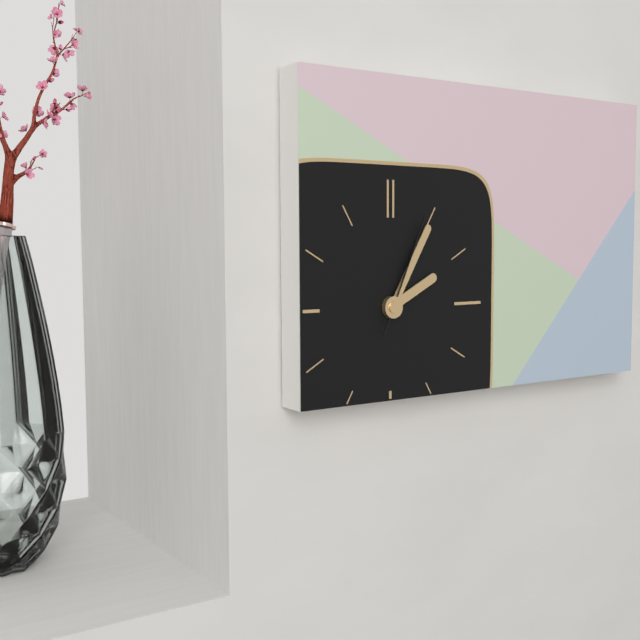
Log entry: 2:05:04
